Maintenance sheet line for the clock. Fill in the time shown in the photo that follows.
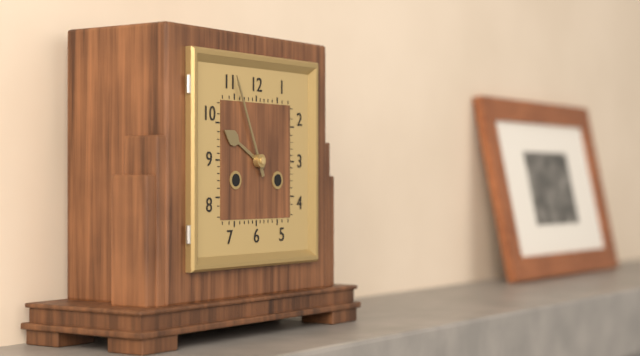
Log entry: 9:56
